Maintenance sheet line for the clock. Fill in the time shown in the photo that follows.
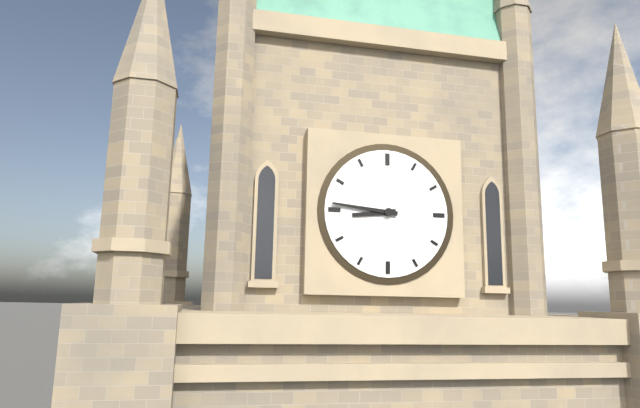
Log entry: 8:46
